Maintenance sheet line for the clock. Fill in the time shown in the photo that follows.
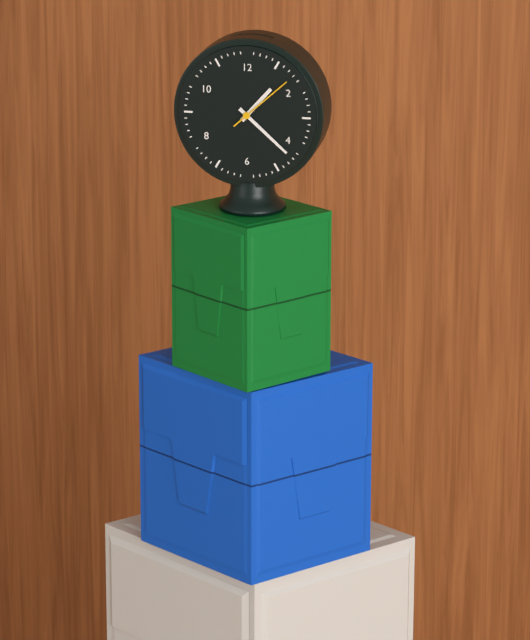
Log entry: 1:22:08
